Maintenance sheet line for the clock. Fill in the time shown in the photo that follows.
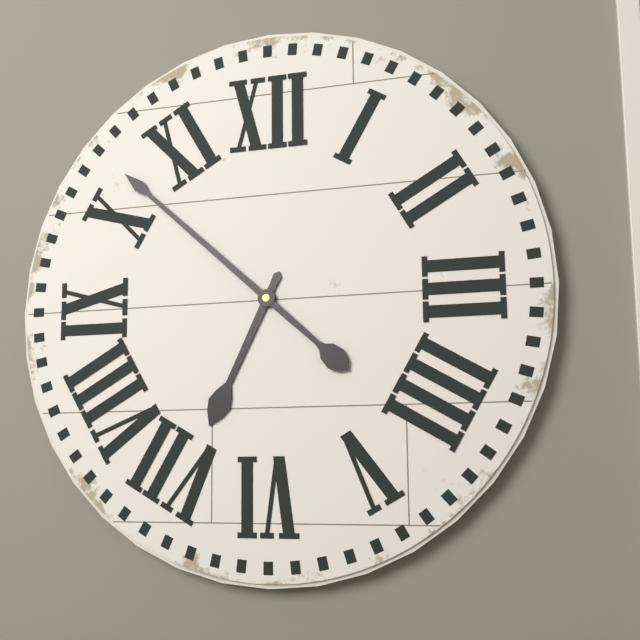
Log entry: 6:52
